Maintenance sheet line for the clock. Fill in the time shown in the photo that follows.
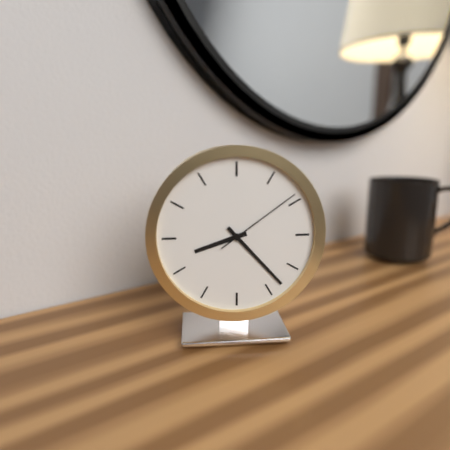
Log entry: 8:23:09
